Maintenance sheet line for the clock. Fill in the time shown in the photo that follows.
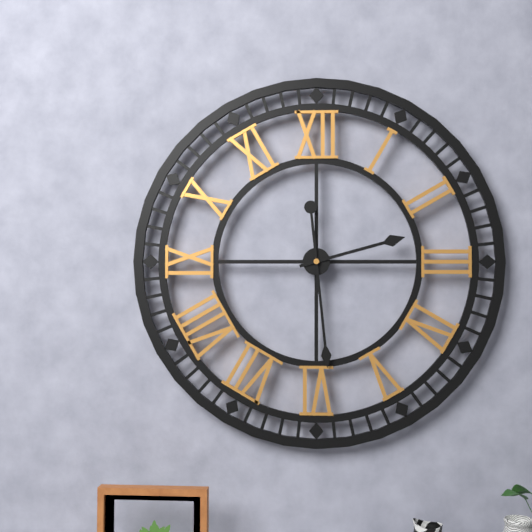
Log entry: 2:29
